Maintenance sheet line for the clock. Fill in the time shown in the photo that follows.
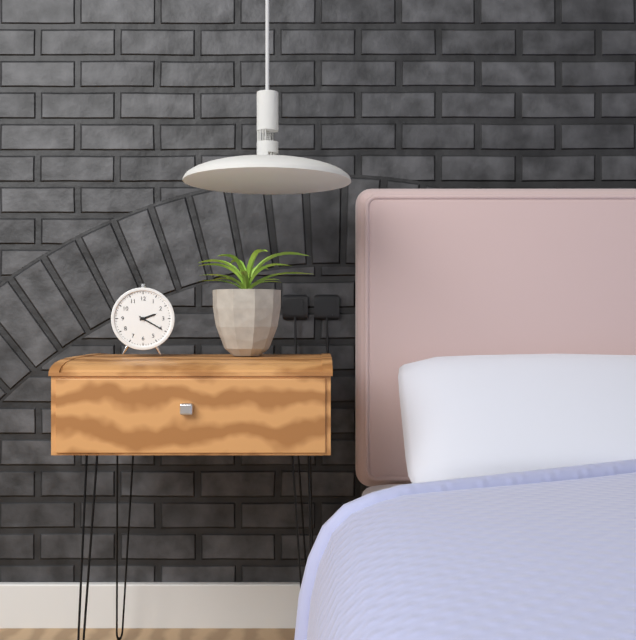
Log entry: 2:20
